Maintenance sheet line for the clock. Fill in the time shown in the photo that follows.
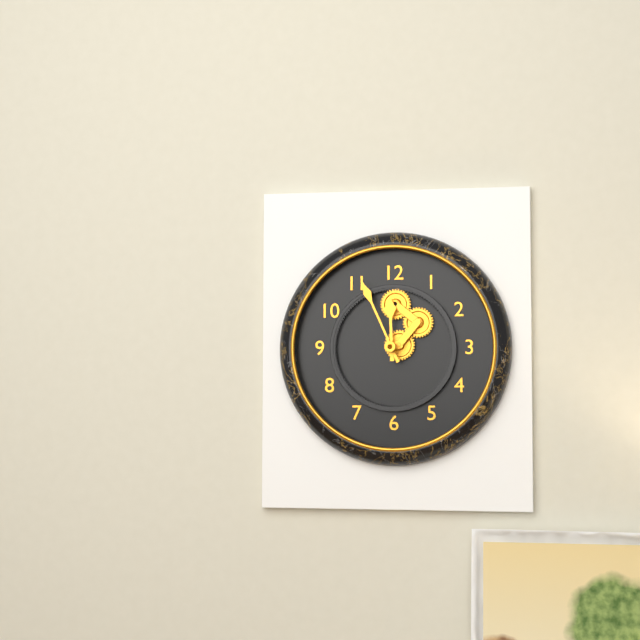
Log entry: 11:56
